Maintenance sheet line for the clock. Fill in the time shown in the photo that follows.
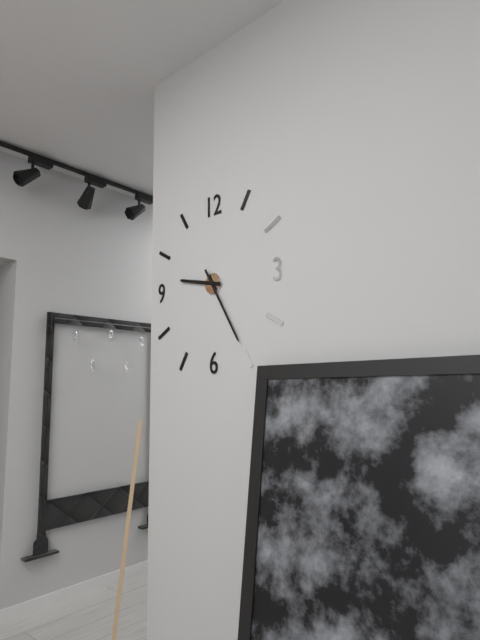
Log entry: 9:25
